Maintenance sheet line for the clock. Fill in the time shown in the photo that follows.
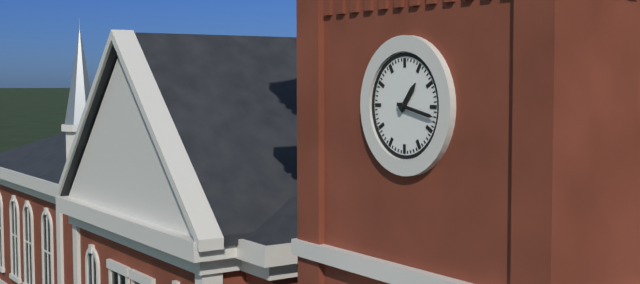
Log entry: 1:17
